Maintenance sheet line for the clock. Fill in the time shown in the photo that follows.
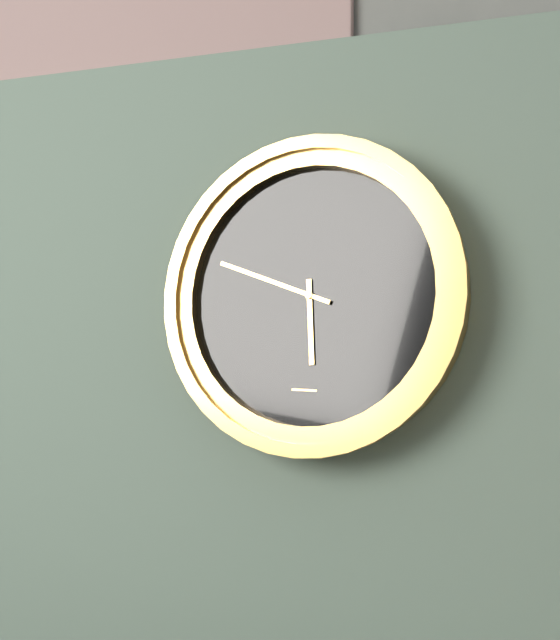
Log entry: 5:48
